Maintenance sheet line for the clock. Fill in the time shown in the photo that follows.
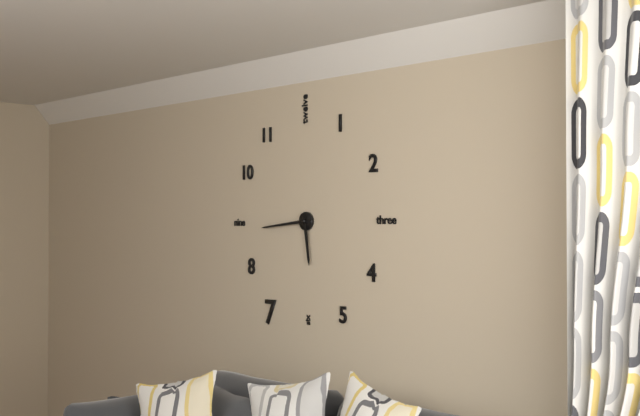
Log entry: 5:44
